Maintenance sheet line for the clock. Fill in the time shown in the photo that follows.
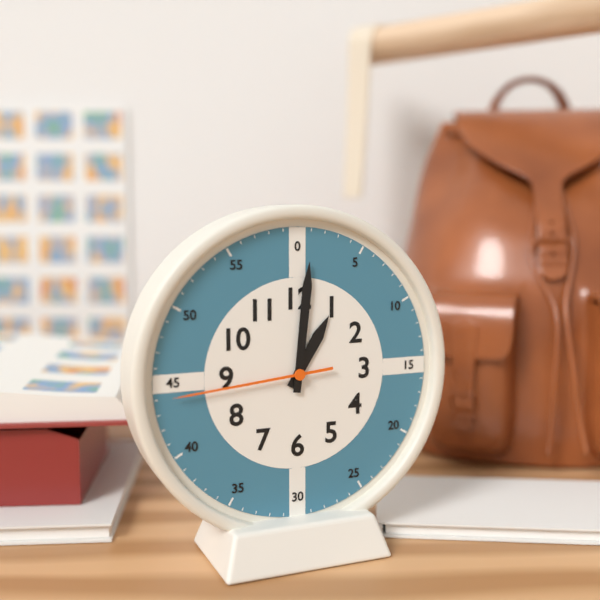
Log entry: 1:01:44
